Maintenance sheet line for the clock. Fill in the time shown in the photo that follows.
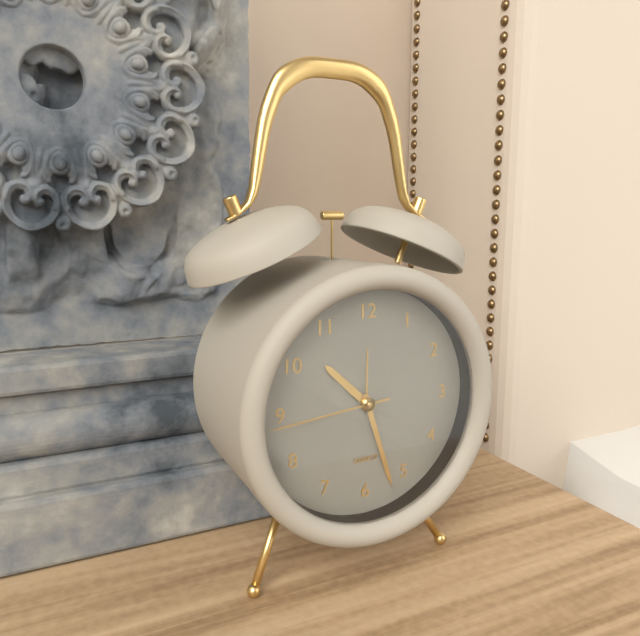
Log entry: 10:27:44
